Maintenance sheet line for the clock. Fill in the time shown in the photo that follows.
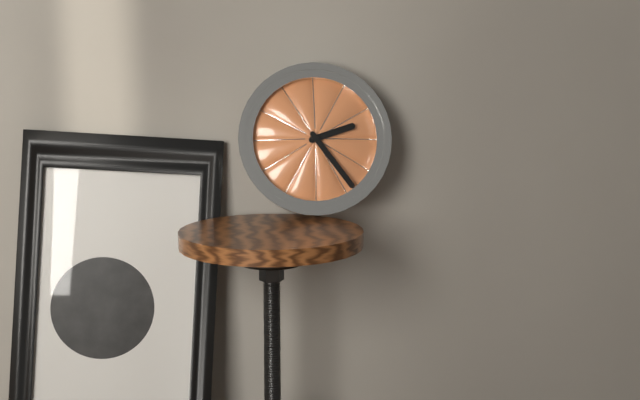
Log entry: 2:24
